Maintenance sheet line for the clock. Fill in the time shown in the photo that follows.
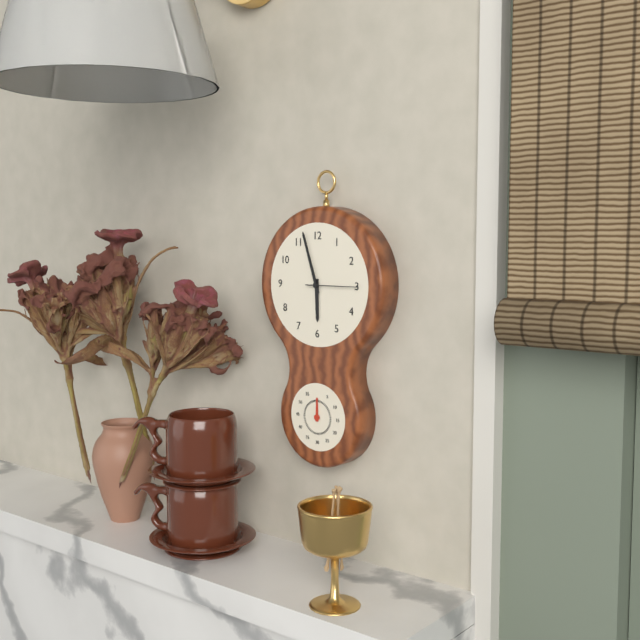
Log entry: 5:57:15
